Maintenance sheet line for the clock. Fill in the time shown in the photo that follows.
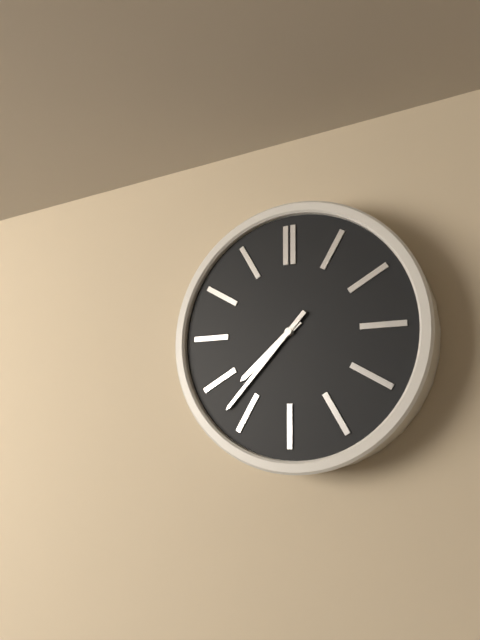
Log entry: 7:37
